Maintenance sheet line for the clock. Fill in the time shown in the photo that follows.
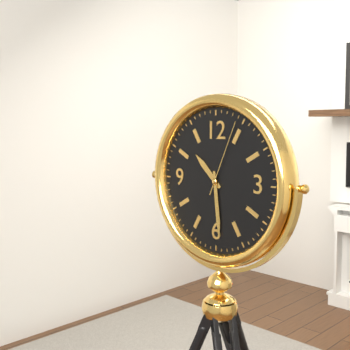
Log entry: 10:29:04
